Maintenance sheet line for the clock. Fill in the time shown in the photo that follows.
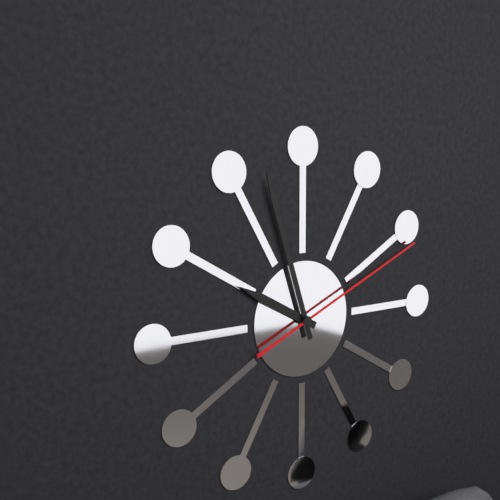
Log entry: 9:57:11
